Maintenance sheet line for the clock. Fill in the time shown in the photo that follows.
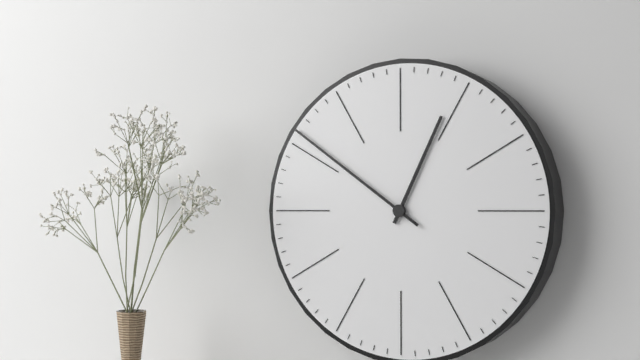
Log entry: 12:51
